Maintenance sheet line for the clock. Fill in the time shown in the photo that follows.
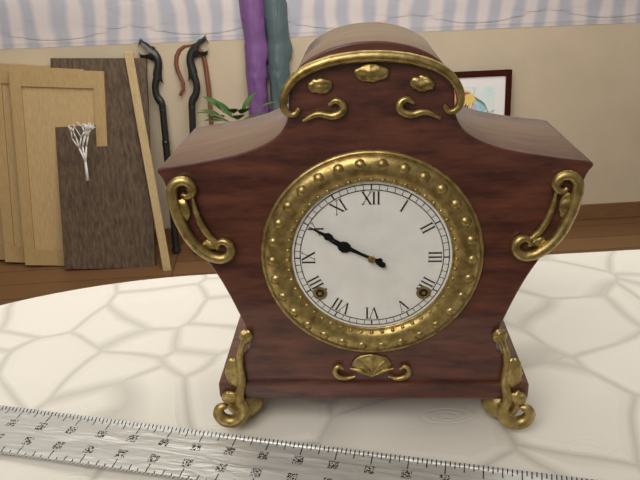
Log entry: 9:50
